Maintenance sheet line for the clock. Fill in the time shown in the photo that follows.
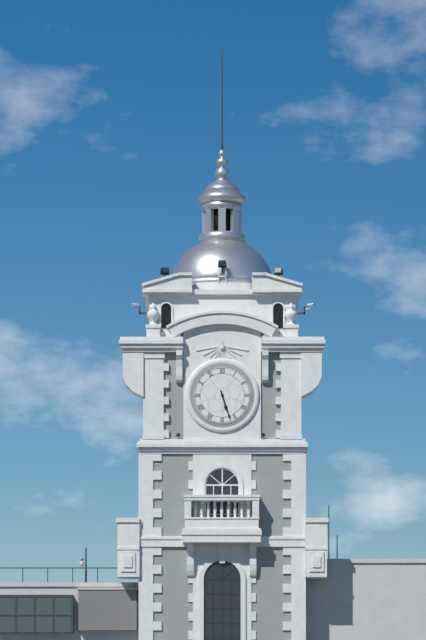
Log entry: 5:27
